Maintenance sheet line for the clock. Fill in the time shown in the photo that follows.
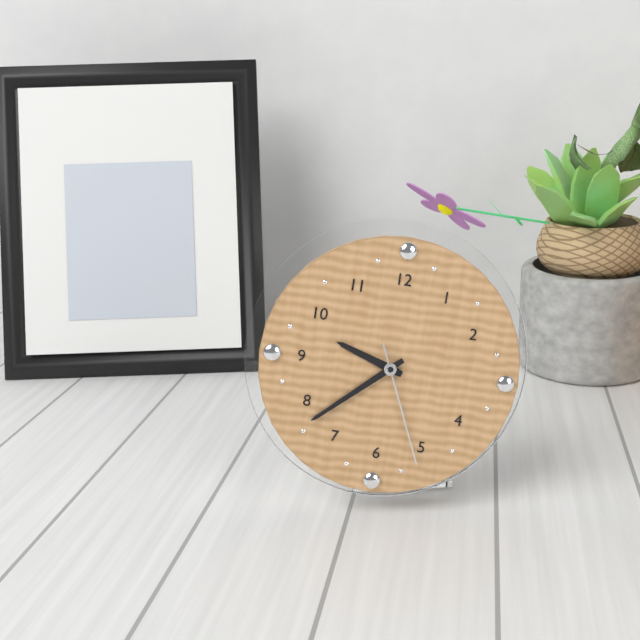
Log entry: 9:38:26
